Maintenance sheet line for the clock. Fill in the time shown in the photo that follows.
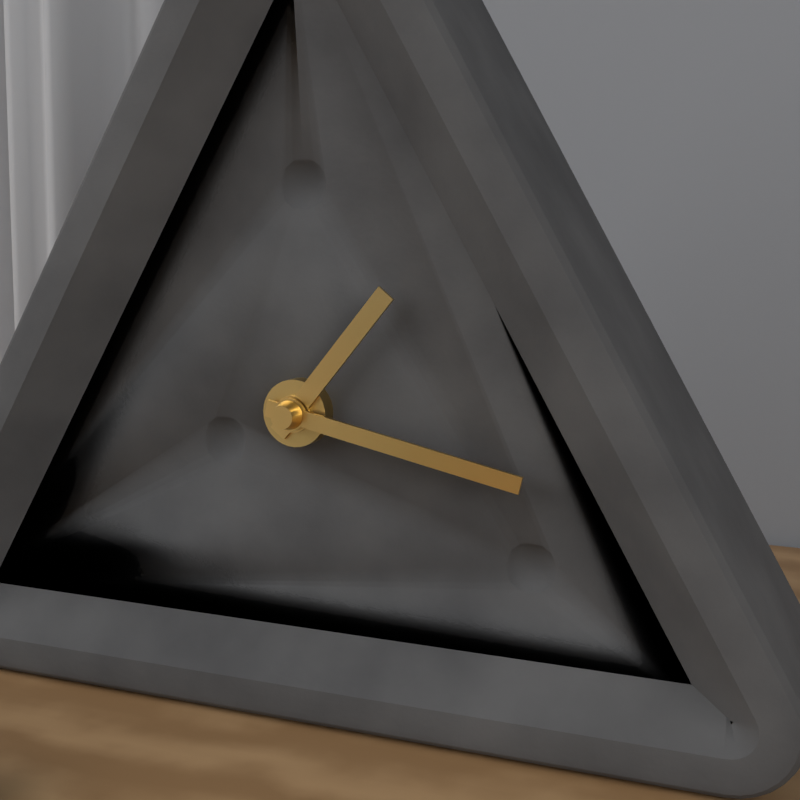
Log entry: 1:17
